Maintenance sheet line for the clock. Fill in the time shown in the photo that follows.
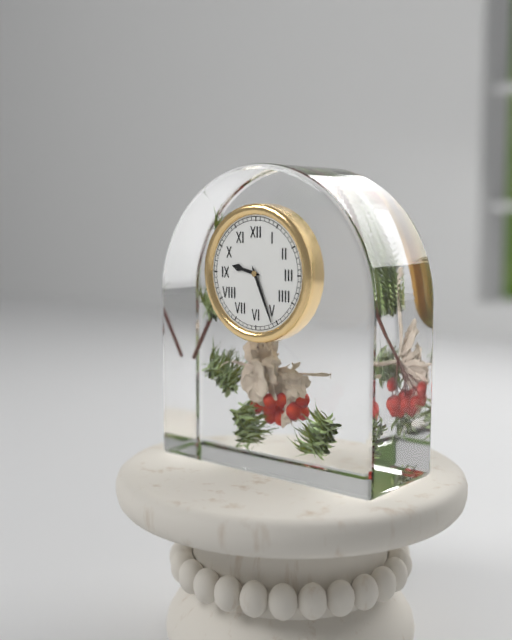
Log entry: 9:26
